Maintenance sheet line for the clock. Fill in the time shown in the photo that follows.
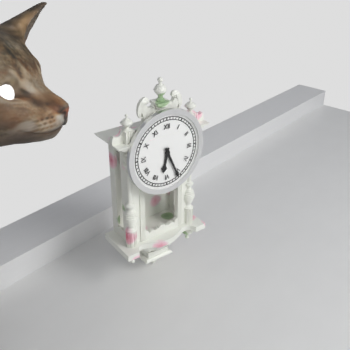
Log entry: 6:26
